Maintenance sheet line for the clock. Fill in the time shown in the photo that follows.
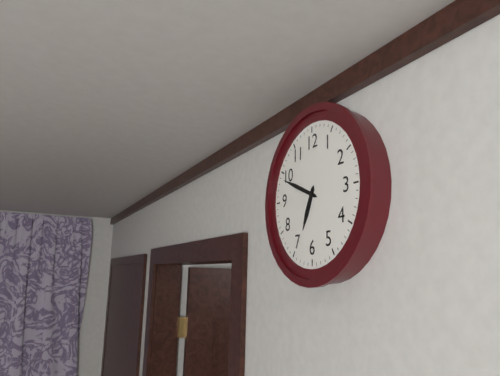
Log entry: 6:49
